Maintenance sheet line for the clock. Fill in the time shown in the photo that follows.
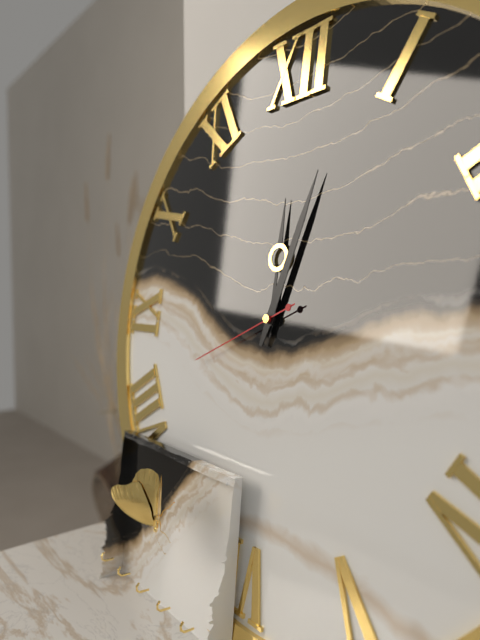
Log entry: 12:03:41
